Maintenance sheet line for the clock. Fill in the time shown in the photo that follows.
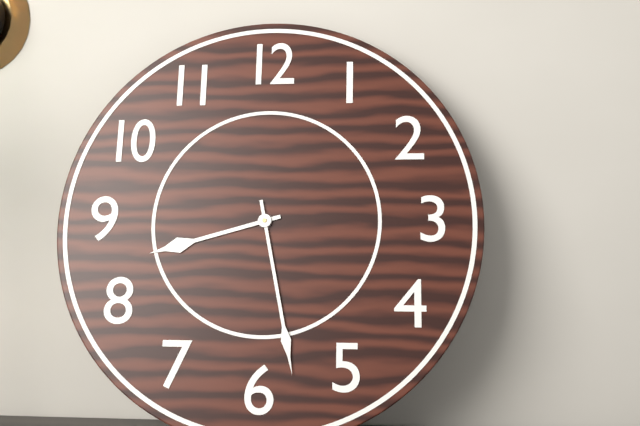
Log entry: 8:28
